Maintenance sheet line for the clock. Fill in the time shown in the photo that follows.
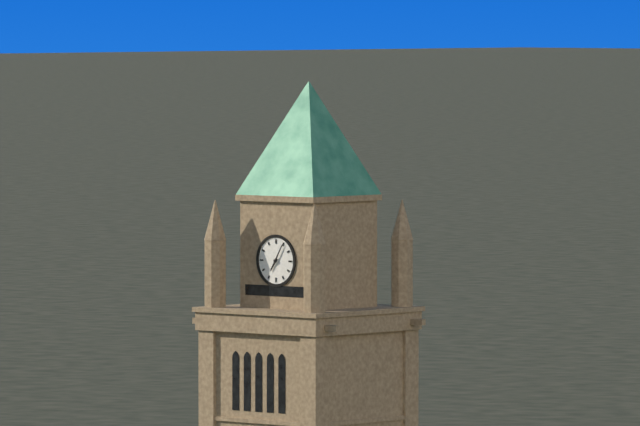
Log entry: 7:05
